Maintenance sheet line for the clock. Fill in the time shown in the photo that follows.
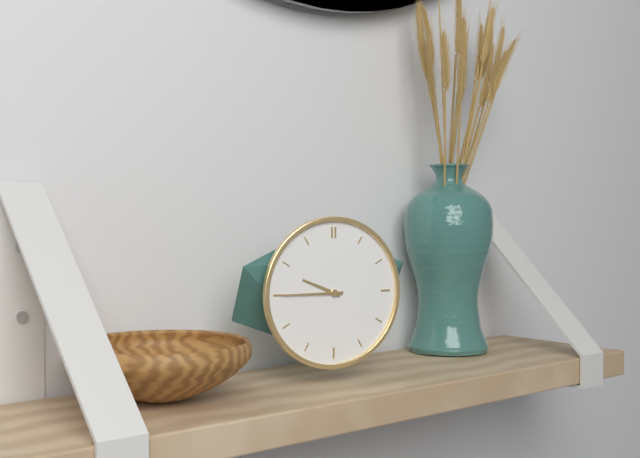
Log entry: 9:45
